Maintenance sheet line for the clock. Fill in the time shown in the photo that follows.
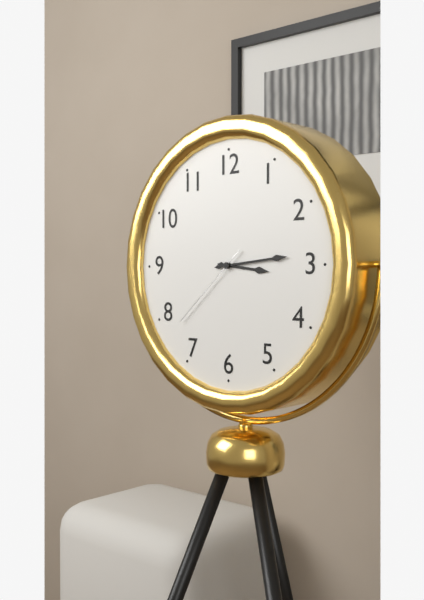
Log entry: 3:14:38
